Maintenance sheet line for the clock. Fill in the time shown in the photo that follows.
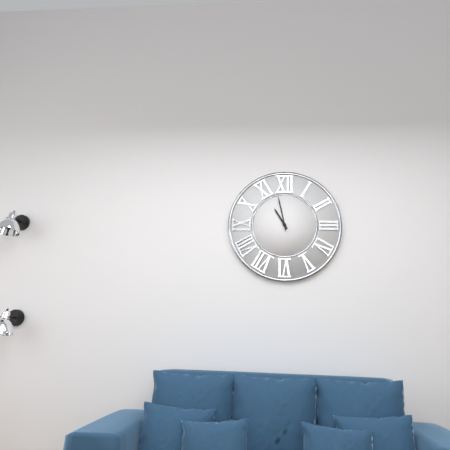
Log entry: 10:58
